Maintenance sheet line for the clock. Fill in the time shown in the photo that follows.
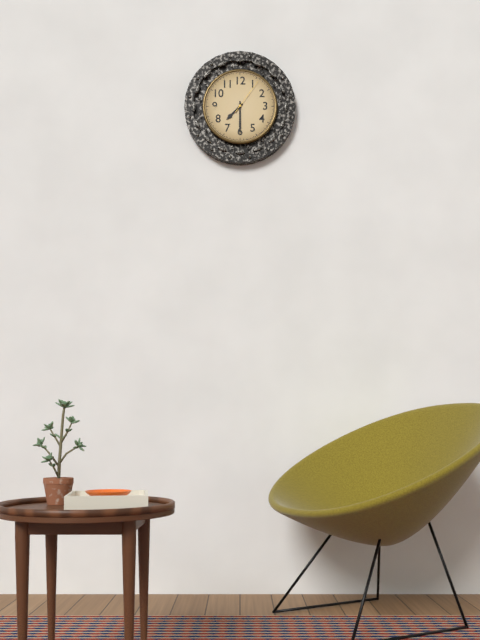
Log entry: 7:30
